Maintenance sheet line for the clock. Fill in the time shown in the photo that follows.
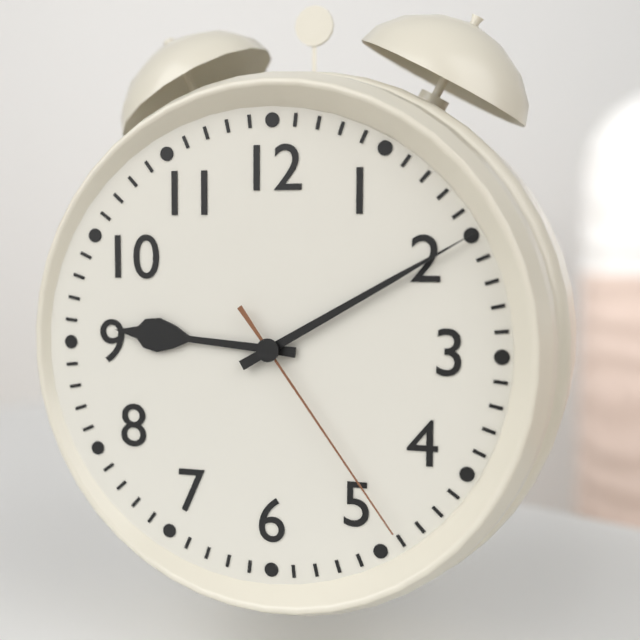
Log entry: 9:10:24
